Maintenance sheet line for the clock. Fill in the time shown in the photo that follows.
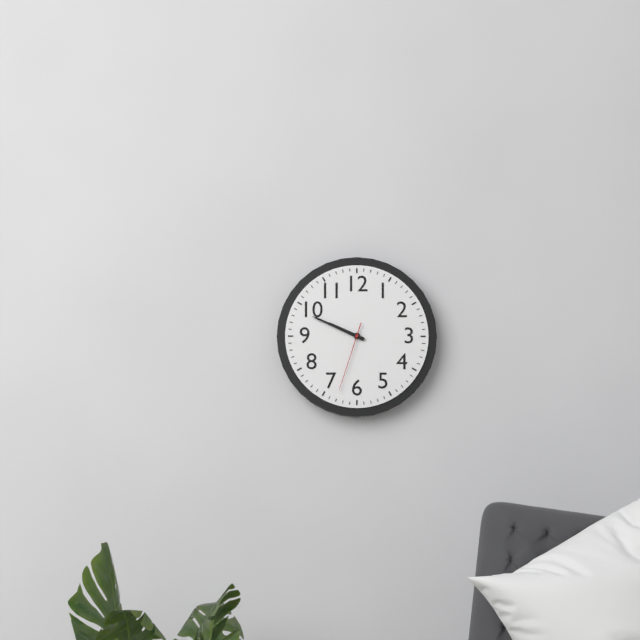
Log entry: 9:49:33
